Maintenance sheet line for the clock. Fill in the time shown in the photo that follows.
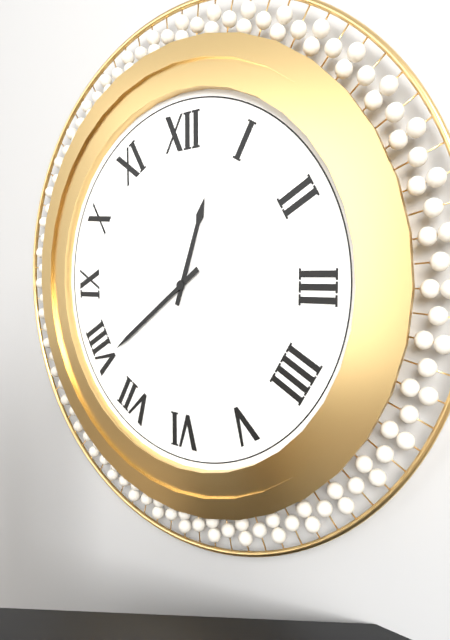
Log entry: 12:39
